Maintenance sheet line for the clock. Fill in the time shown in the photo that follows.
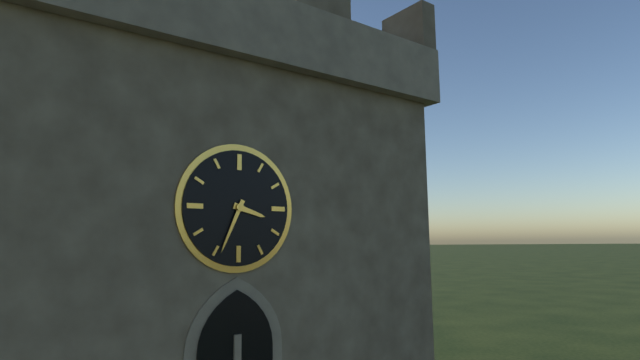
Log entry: 3:34
